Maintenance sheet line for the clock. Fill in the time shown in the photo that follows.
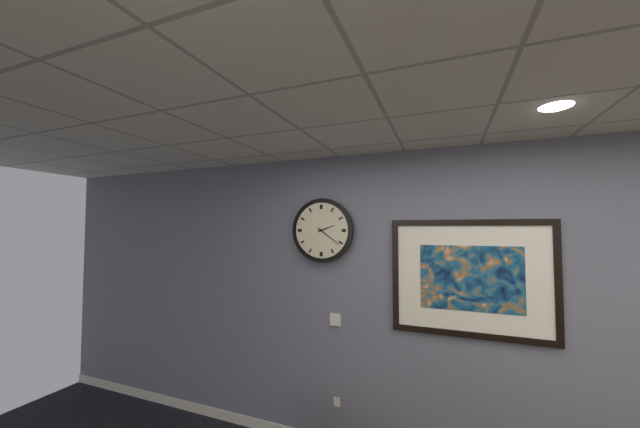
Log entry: 2:21
